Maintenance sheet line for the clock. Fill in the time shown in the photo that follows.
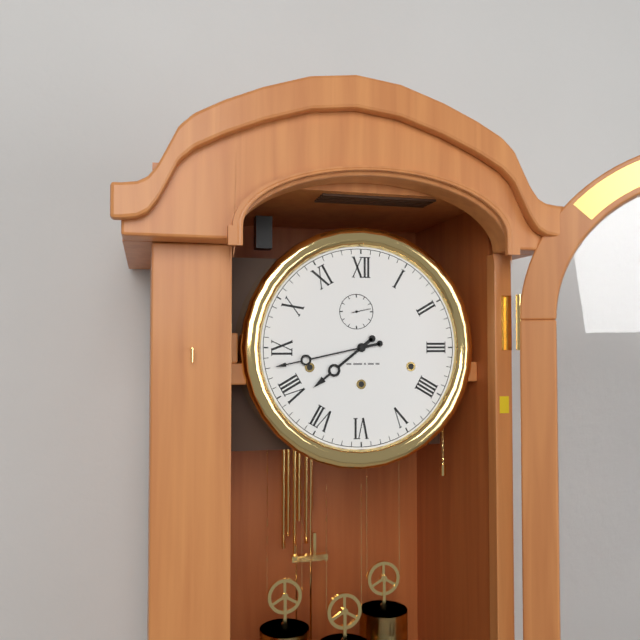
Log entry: 7:43
